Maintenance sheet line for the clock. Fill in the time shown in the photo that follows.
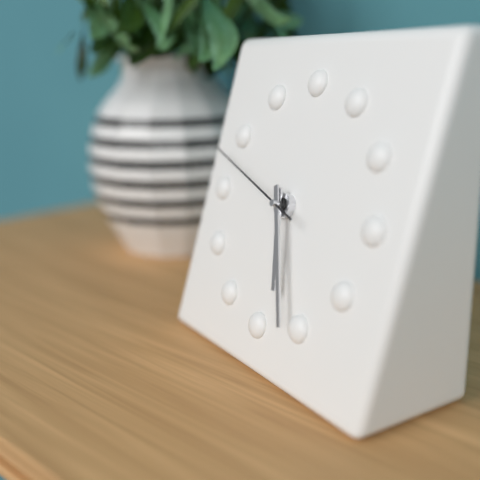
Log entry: 5:26:48
